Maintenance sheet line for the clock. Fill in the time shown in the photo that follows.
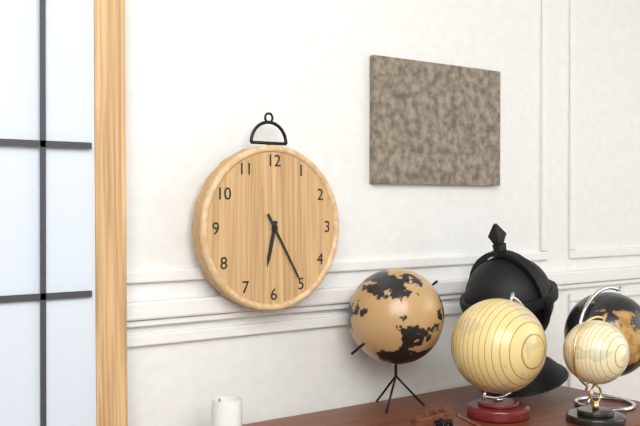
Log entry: 6:25
